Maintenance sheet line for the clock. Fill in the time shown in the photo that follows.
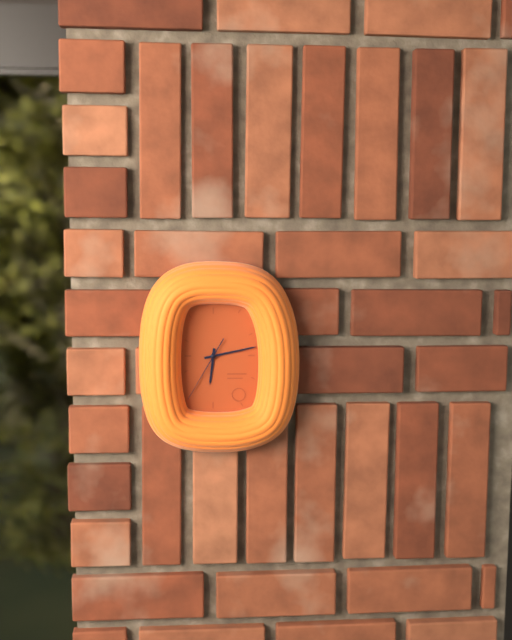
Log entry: 6:13:35
